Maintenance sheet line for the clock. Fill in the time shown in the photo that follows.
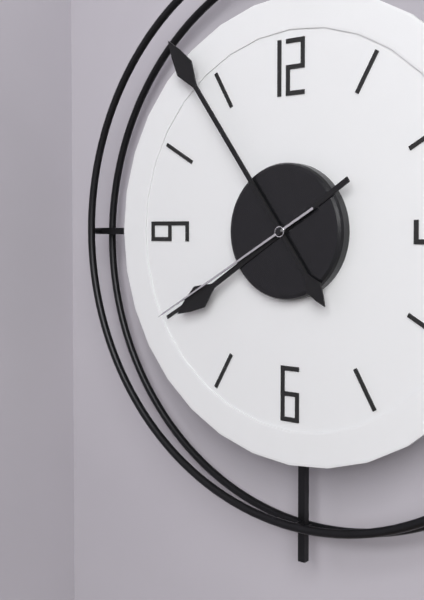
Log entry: 7:54:40
